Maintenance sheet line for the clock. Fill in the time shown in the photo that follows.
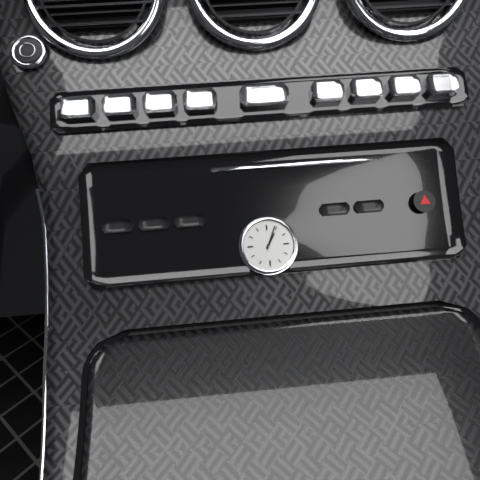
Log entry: 1:04
